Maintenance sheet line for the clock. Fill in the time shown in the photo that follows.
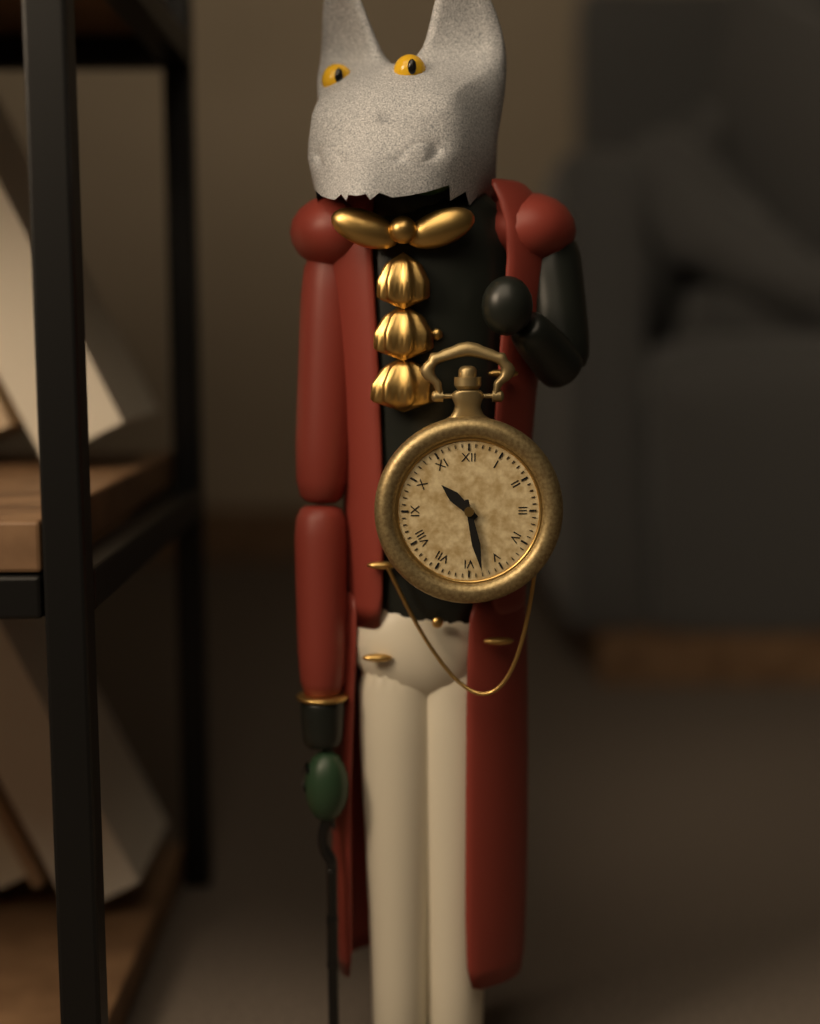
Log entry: 10:28
